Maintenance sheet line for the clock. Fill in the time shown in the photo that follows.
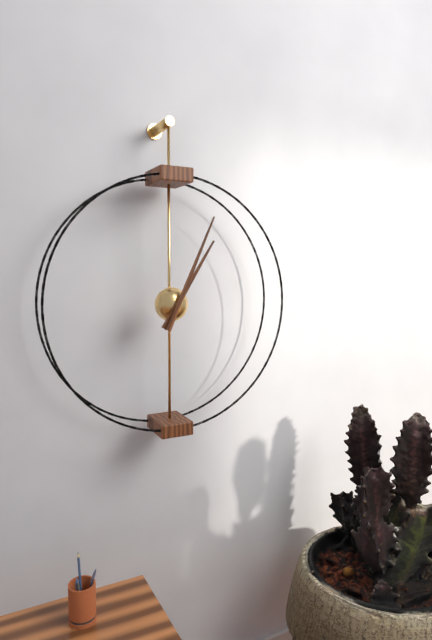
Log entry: 1:04
